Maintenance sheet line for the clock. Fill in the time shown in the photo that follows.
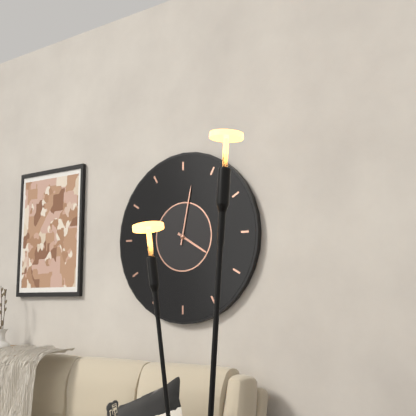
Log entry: 4:02
